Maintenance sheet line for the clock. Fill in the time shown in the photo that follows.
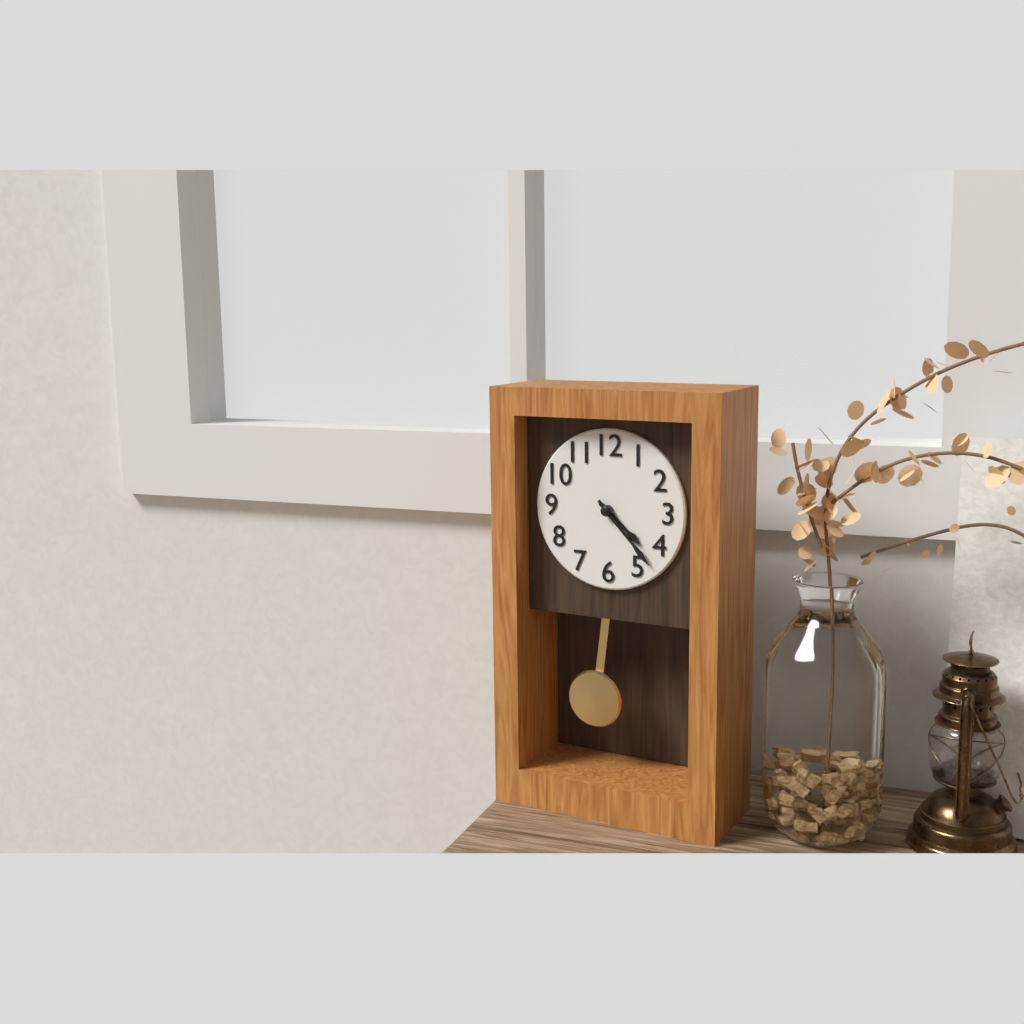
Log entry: 4:23
